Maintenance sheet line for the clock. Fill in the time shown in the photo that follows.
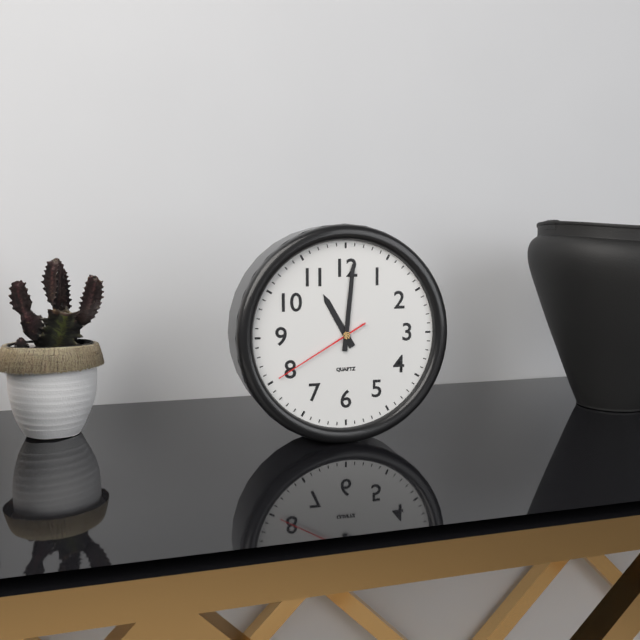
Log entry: 11:01:40
